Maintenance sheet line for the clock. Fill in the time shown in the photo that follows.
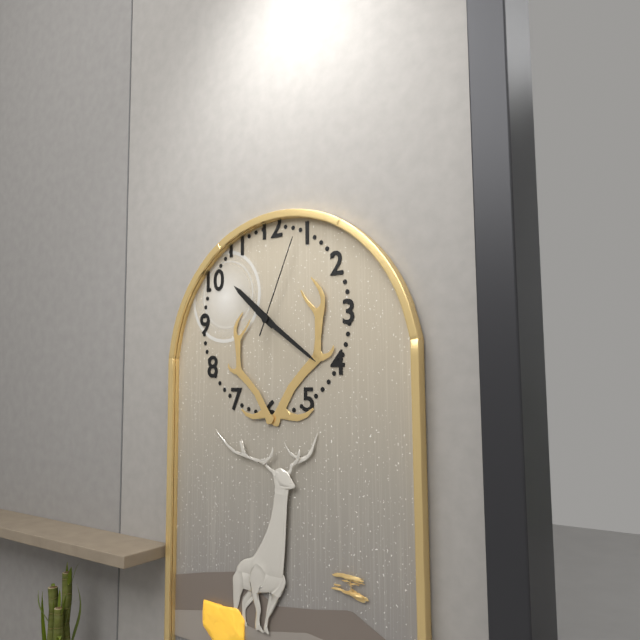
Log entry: 10:21:04
